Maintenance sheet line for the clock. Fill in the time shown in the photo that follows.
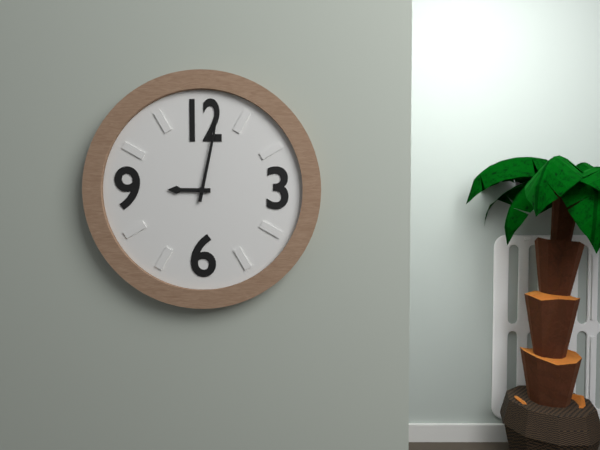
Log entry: 9:02
